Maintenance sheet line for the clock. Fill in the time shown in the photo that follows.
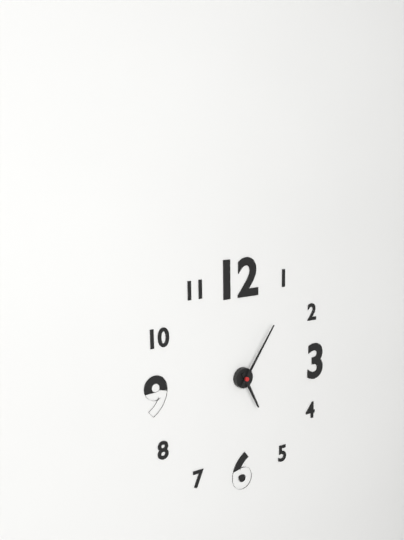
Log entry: 5:06
